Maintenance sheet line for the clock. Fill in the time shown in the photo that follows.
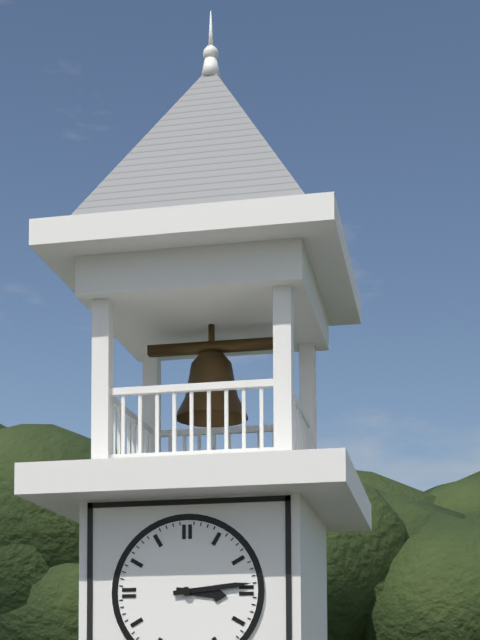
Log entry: 3:14
